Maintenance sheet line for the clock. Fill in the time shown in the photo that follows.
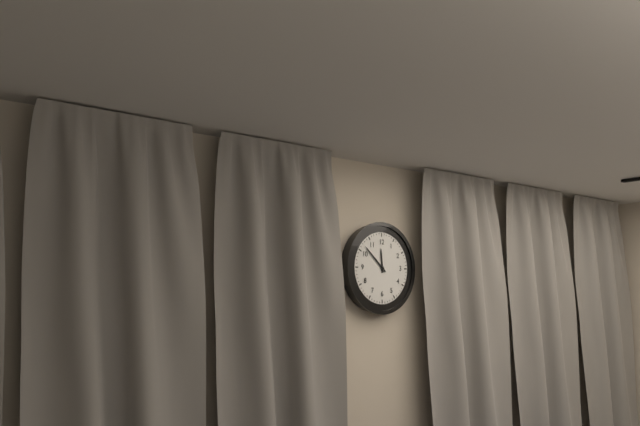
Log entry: 11:52
